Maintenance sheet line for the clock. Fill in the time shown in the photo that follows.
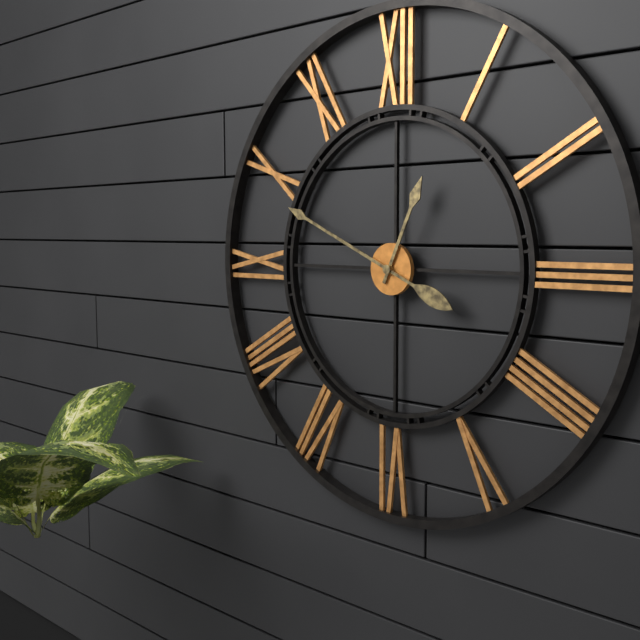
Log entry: 12:49
